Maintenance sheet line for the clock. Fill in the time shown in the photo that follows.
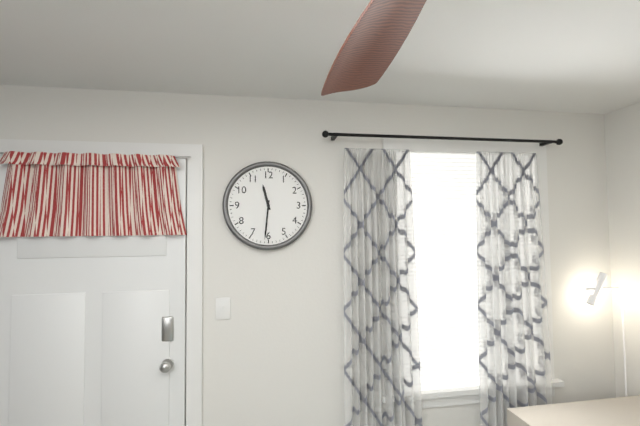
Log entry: 11:31
